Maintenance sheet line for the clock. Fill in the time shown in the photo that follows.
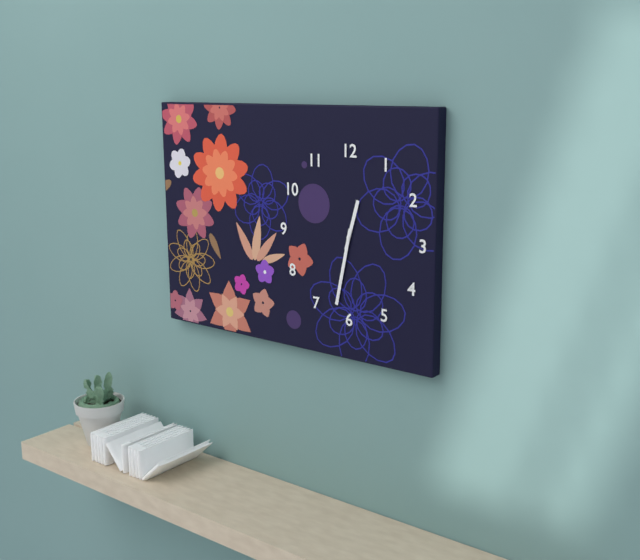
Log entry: 12:32
